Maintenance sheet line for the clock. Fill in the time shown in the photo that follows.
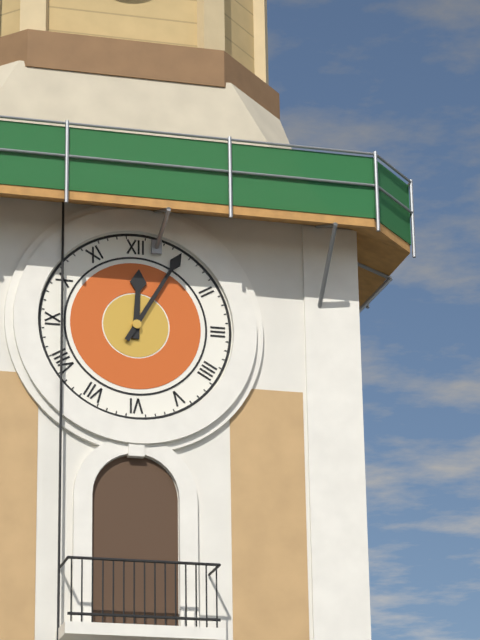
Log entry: 12:05
